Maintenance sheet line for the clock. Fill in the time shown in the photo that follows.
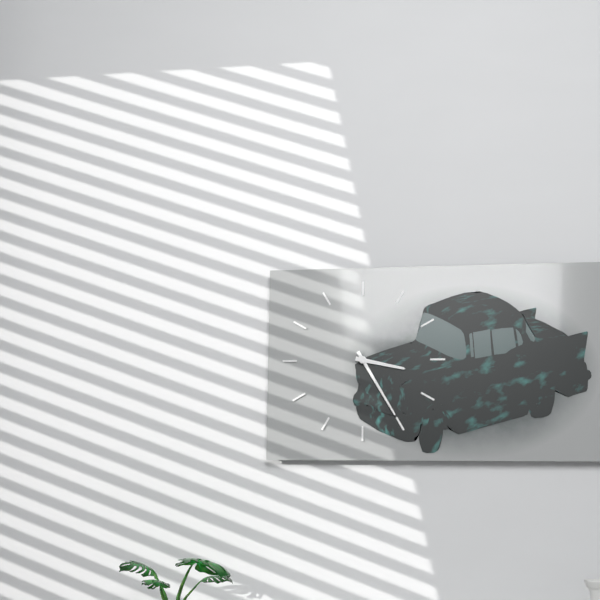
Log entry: 3:25
